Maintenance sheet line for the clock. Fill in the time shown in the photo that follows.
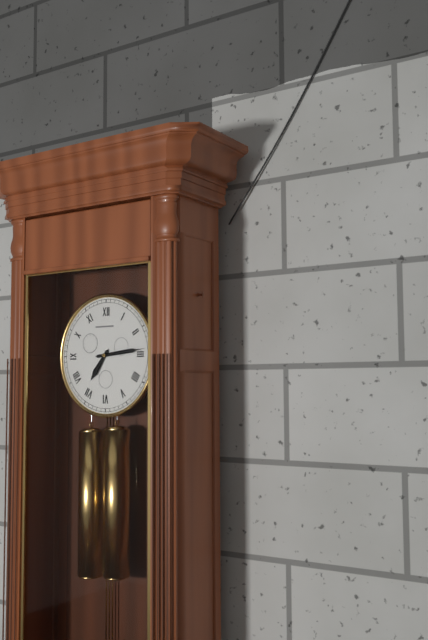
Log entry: 7:14
